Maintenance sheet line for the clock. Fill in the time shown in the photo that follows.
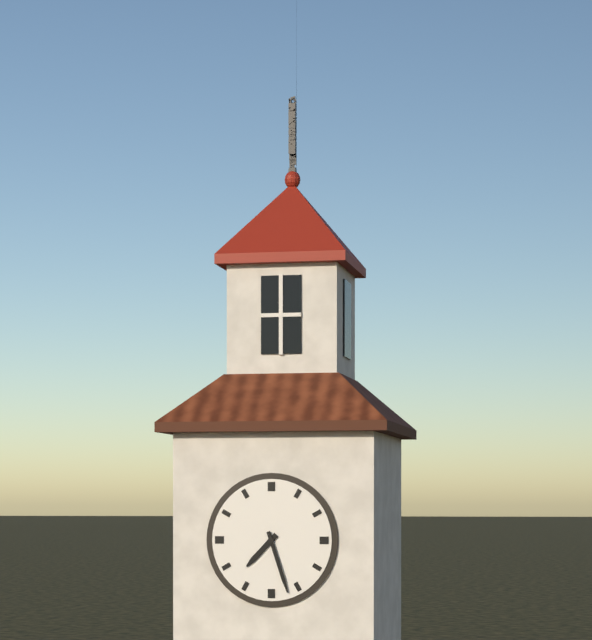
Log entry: 7:27
